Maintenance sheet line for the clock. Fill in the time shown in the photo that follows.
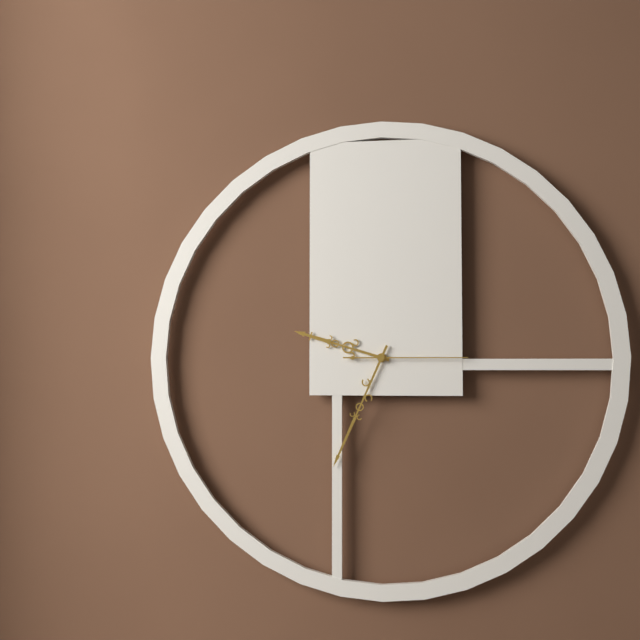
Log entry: 9:34:15
